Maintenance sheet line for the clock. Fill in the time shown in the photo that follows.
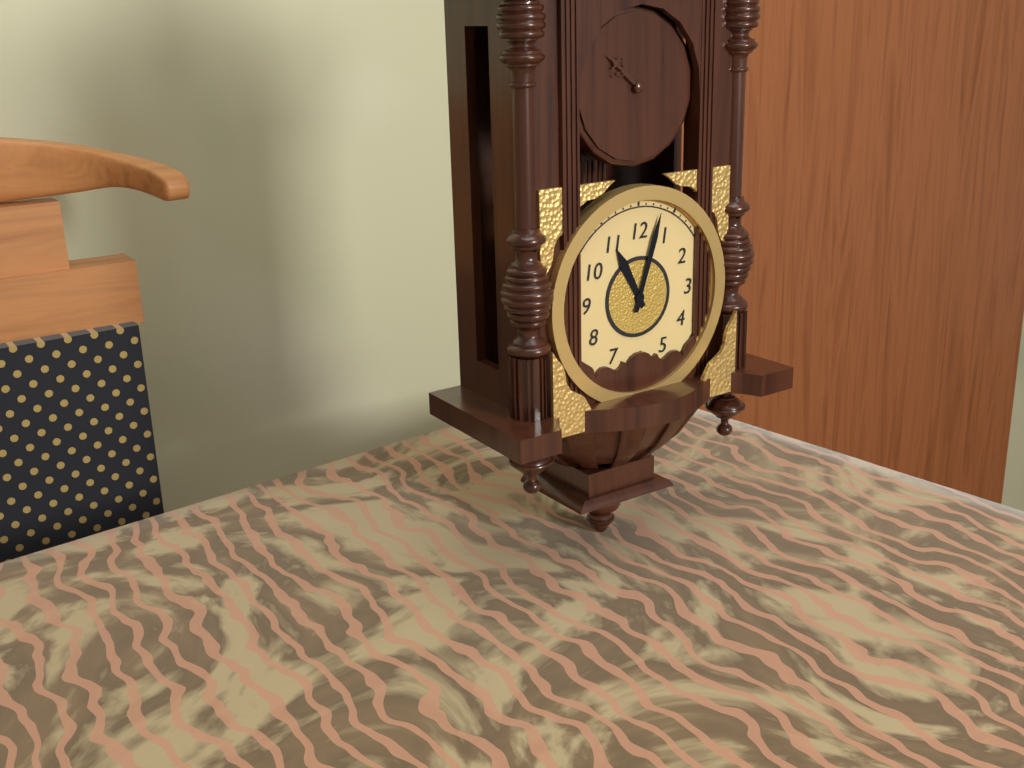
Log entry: 11:03
